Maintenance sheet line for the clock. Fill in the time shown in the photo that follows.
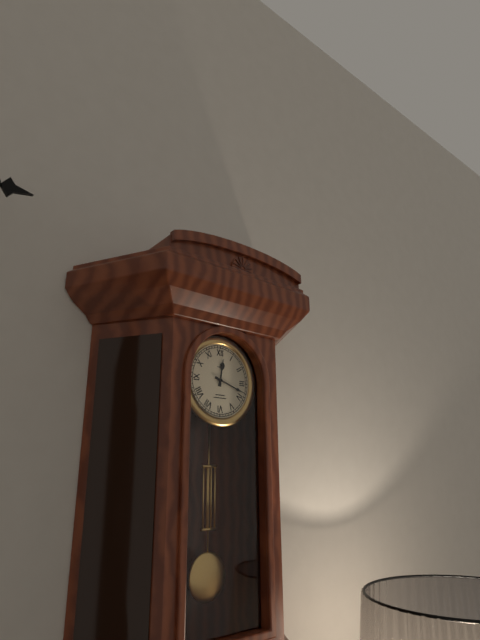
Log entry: 12:18
